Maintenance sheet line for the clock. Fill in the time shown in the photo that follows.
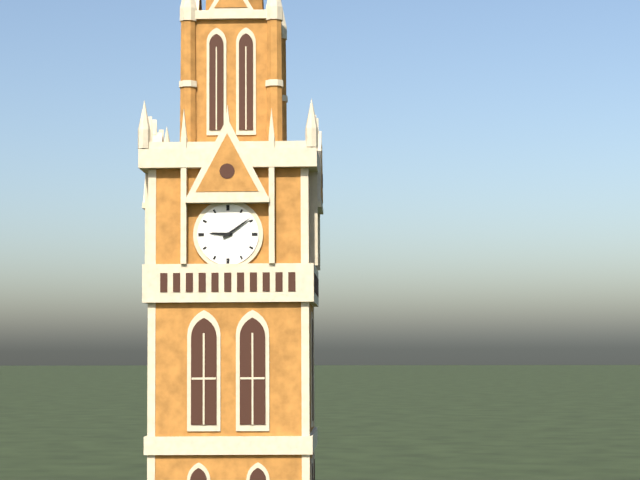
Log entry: 9:09
